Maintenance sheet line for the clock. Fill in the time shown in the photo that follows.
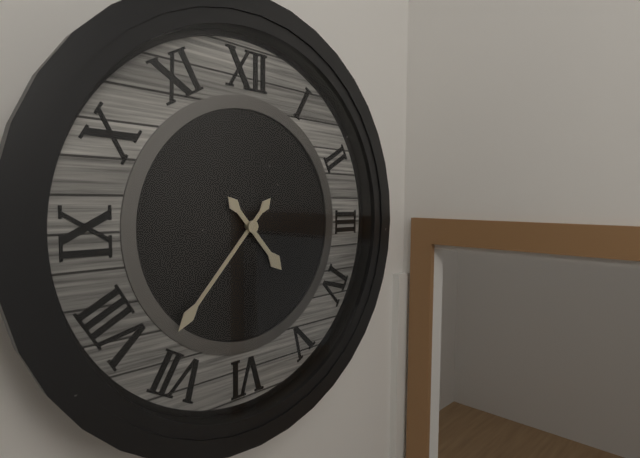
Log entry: 4:37
